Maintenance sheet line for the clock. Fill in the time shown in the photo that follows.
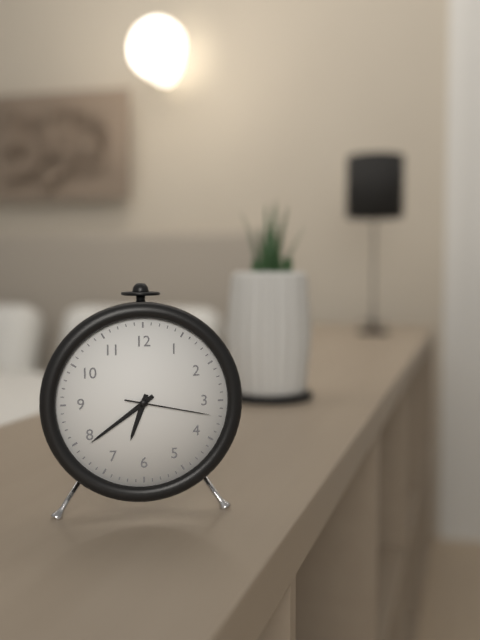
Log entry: 6:39:17
